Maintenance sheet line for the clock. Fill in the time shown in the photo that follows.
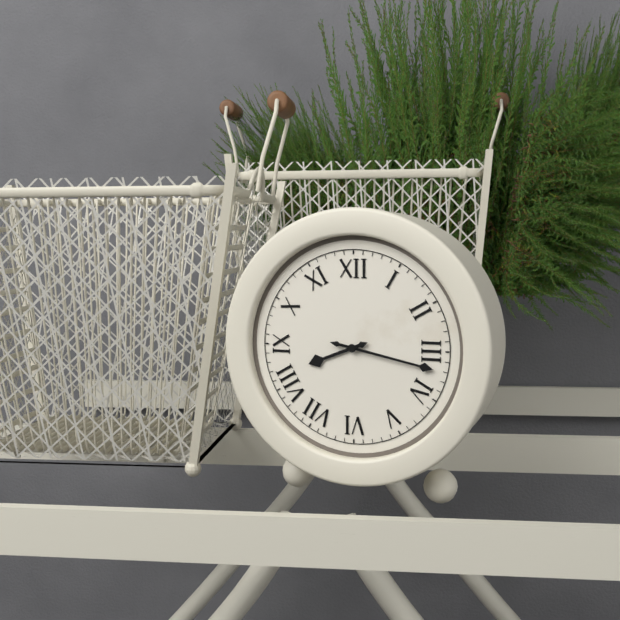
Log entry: 8:17
